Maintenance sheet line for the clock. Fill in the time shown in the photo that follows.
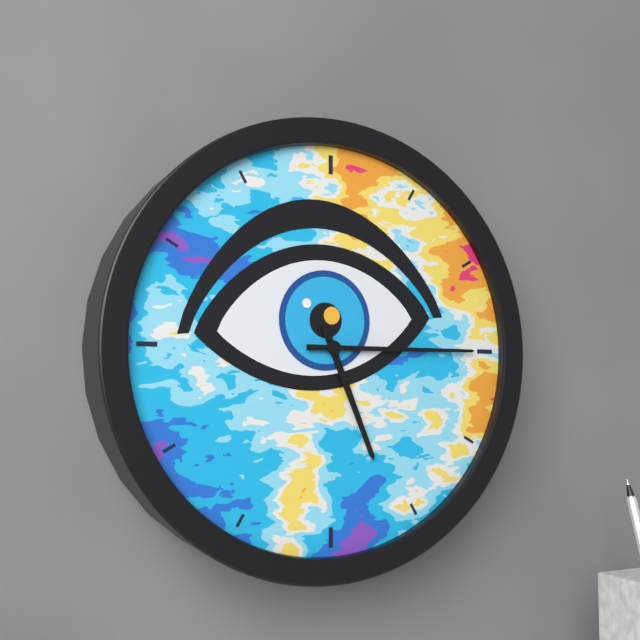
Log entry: 5:15
